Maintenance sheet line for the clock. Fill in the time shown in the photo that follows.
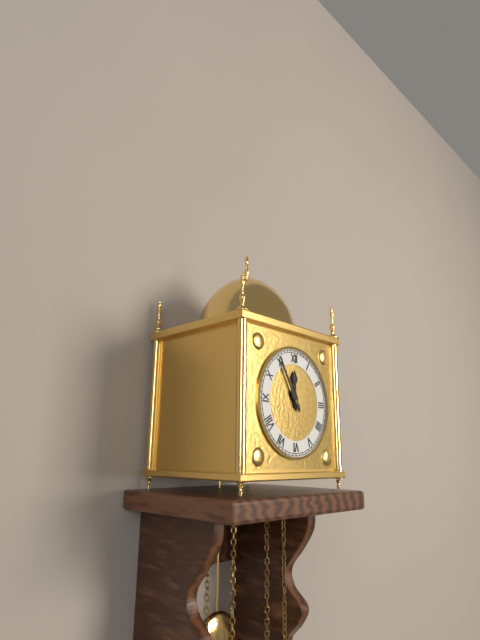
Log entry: 11:55
